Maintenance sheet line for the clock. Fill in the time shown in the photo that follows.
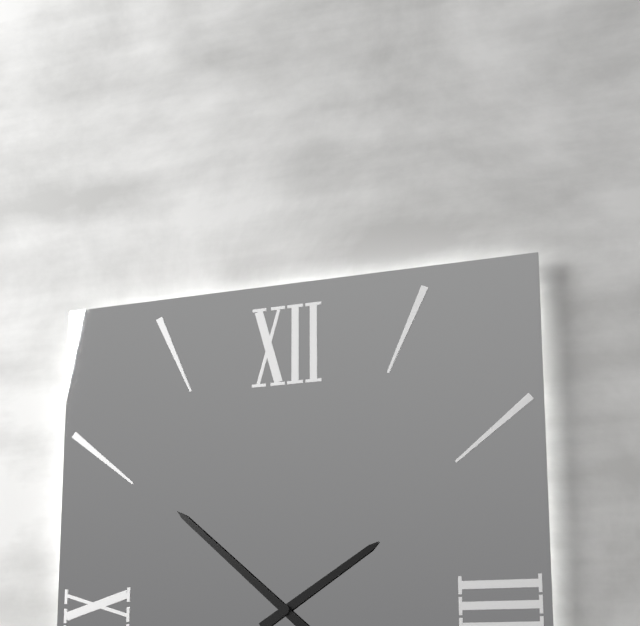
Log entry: 1:52
